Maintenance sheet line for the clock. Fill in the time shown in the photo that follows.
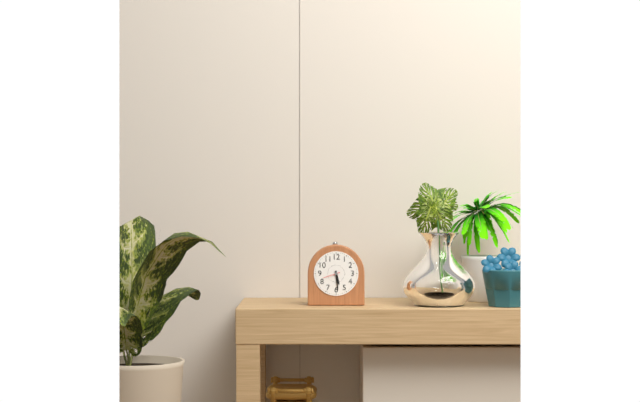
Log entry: 5:29
